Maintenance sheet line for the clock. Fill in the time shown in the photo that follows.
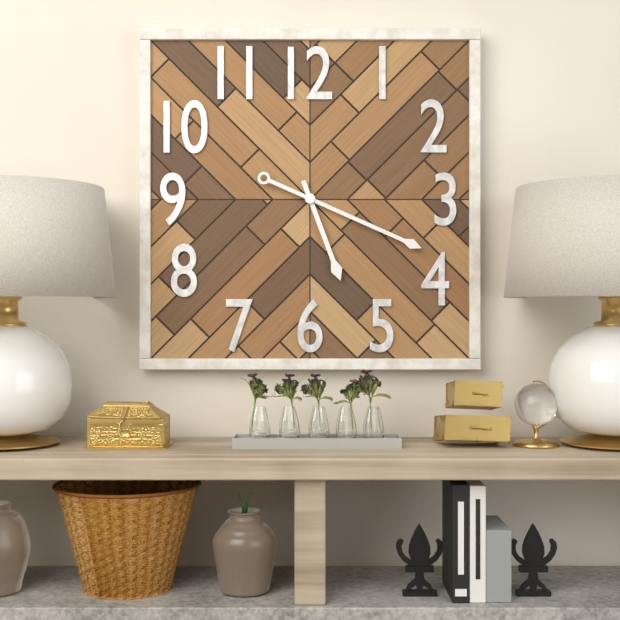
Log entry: 5:19
